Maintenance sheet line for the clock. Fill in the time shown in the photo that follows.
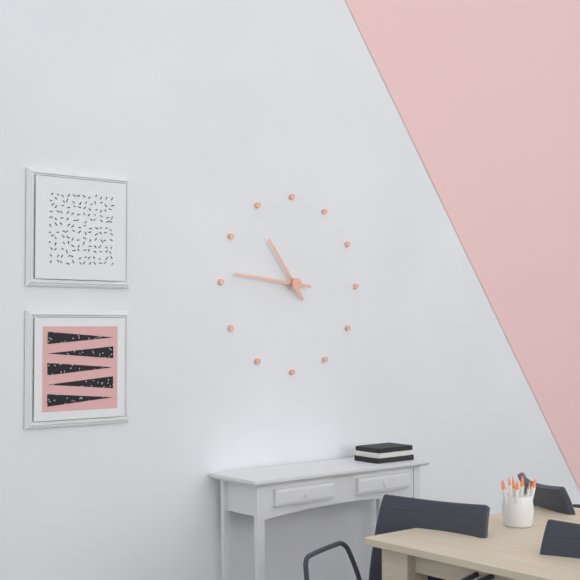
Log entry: 10:46
